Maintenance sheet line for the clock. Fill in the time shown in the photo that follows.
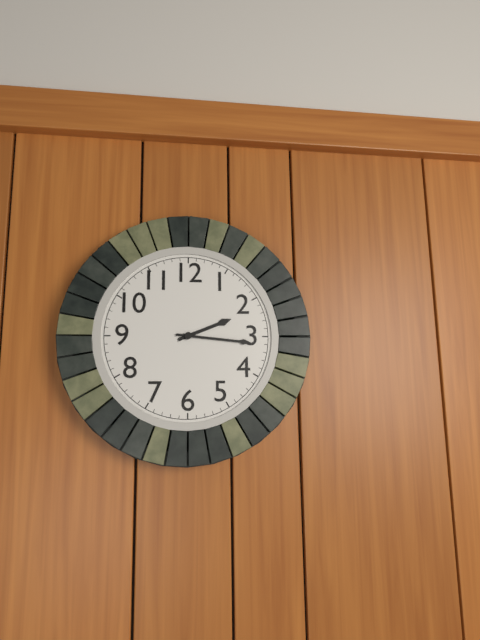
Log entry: 2:16
